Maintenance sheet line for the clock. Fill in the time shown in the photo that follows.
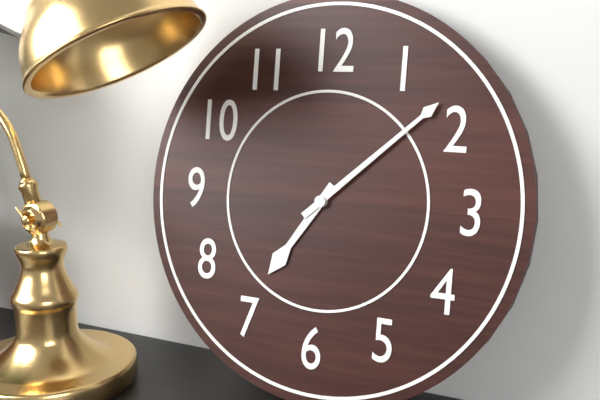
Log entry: 7:08
